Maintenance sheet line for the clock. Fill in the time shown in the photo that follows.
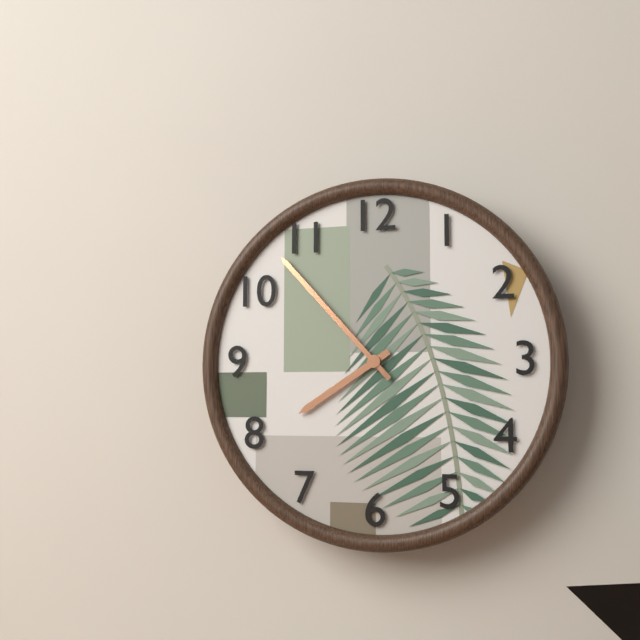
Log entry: 7:53
